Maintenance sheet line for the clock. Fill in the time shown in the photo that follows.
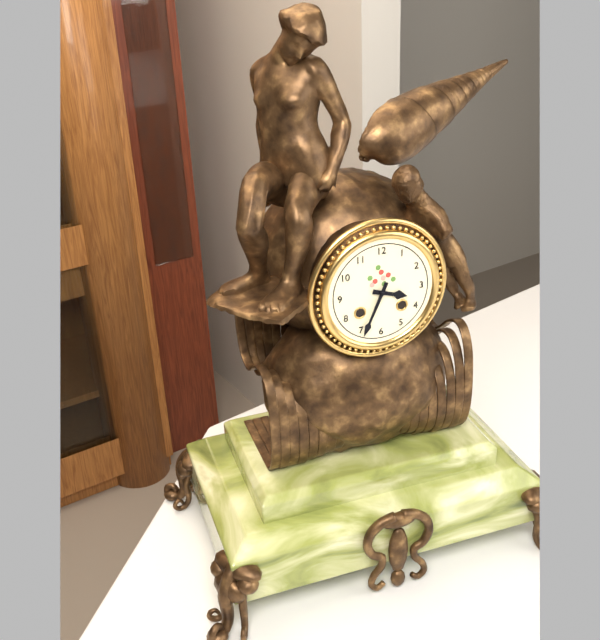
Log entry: 3:34
